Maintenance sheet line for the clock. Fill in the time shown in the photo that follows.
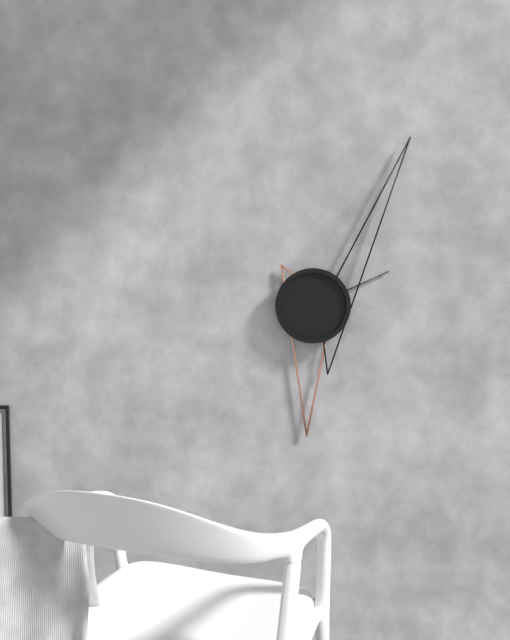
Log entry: 6:05:11
